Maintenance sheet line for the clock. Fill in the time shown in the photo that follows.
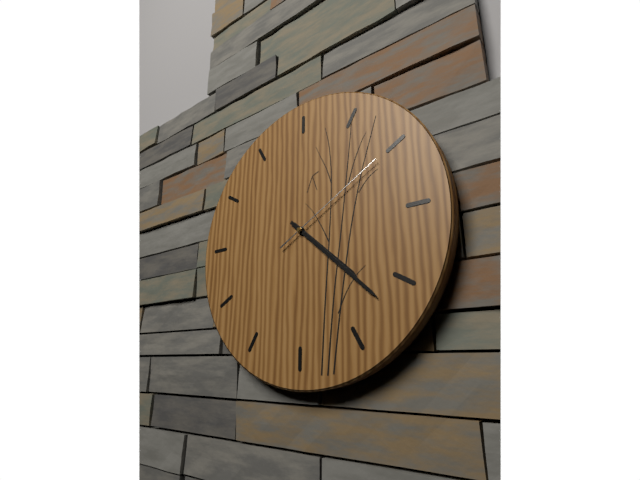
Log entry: 4:22:10
